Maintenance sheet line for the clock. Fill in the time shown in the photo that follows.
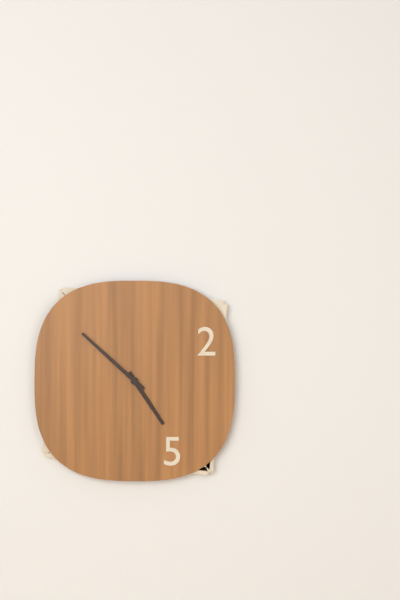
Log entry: 4:52
